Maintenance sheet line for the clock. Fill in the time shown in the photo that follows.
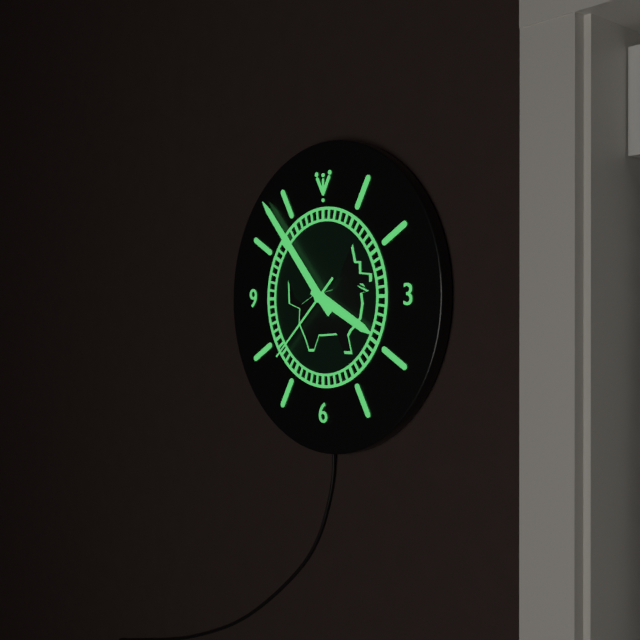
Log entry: 3:53:38
